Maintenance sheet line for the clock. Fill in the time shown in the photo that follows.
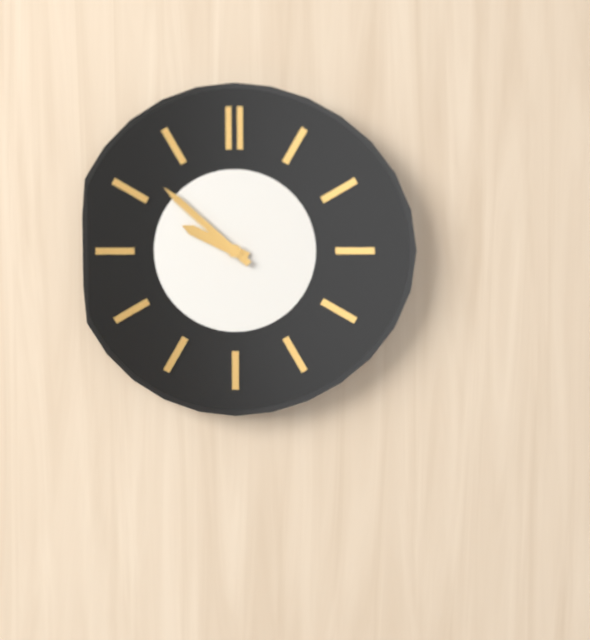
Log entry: 9:52
